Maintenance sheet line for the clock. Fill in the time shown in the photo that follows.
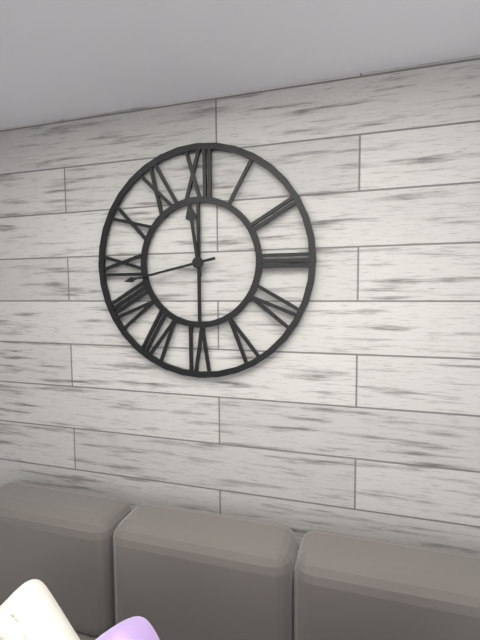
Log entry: 11:43
